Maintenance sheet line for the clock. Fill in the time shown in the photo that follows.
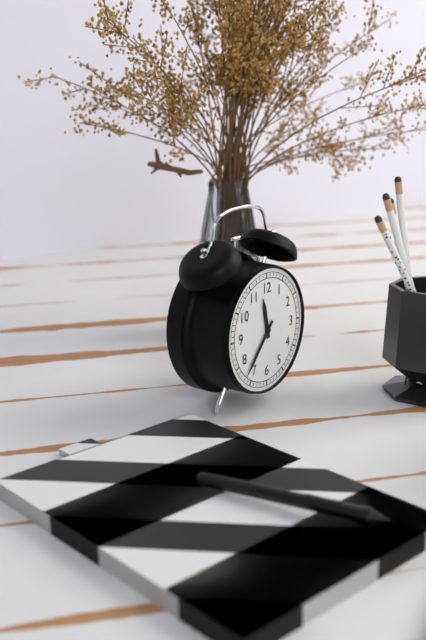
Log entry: 11:37
